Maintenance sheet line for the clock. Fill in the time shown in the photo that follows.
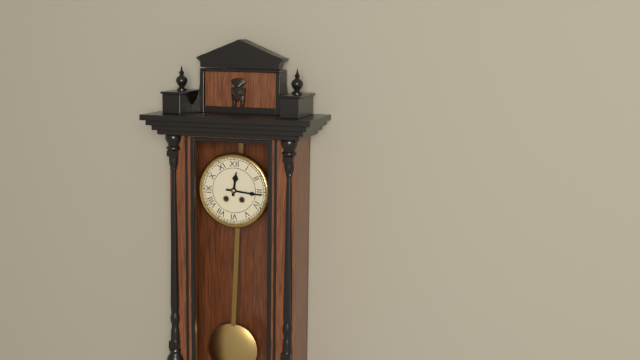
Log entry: 12:16
